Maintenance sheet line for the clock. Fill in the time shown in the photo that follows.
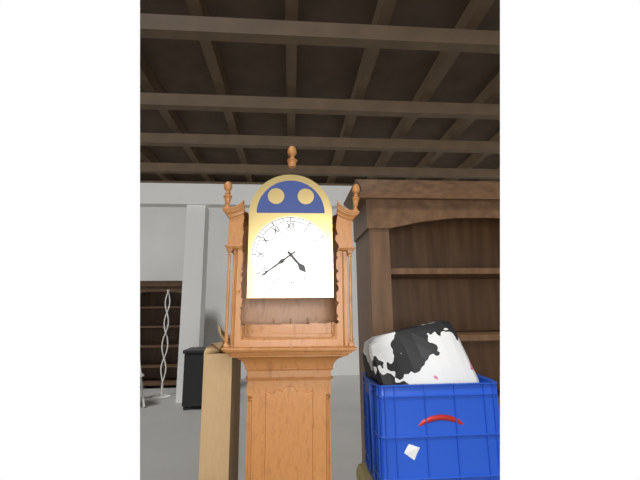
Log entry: 4:39
